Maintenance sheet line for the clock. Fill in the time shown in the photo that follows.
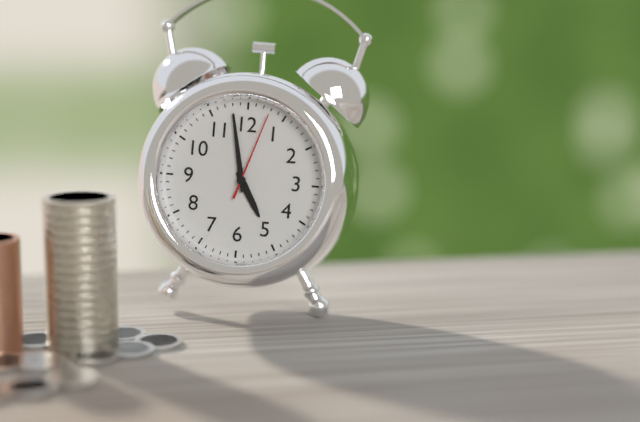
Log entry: 4:58:03
